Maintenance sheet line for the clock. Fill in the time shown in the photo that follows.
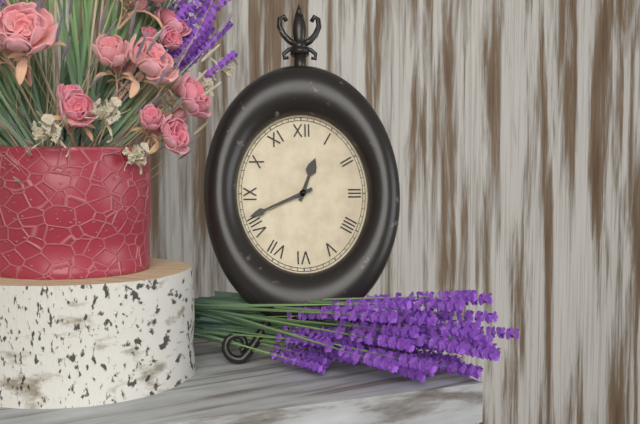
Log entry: 12:41
